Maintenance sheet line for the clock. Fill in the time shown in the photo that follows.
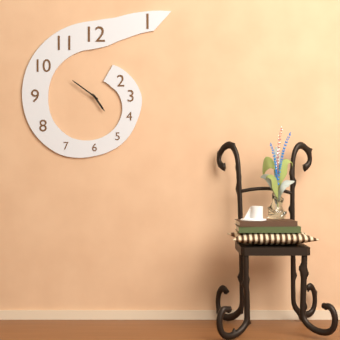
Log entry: 4:51
